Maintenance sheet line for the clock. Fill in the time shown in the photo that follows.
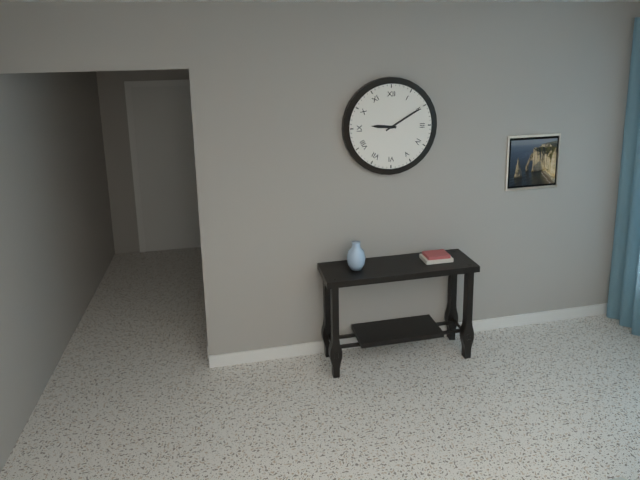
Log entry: 9:10
